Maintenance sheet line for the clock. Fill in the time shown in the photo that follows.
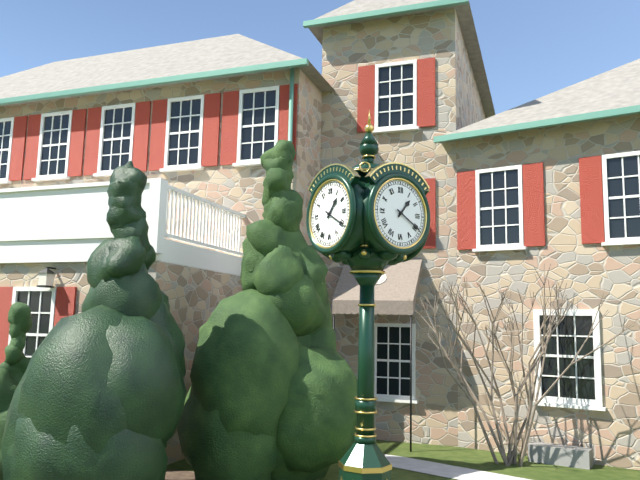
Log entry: 1:20
